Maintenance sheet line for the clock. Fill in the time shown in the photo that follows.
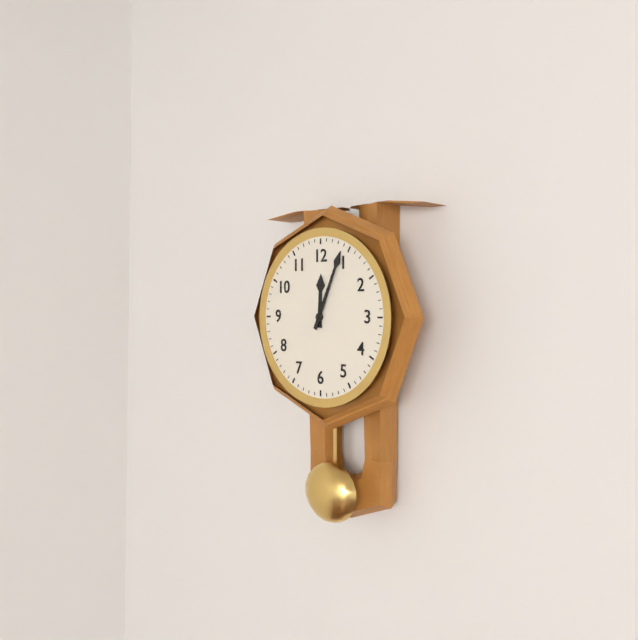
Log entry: 12:04
